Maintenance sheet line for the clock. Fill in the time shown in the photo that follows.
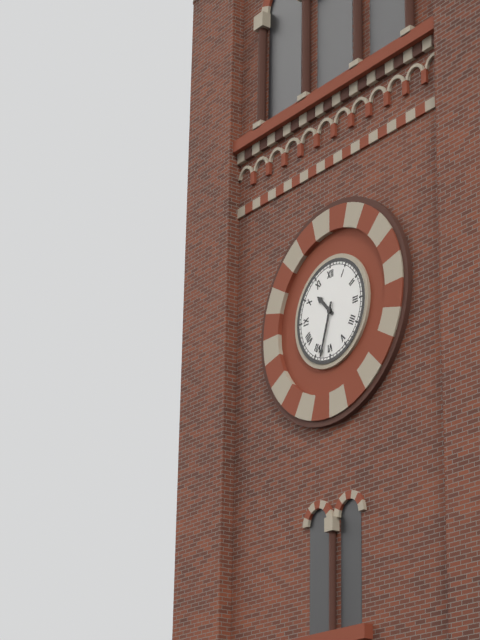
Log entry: 10:33
